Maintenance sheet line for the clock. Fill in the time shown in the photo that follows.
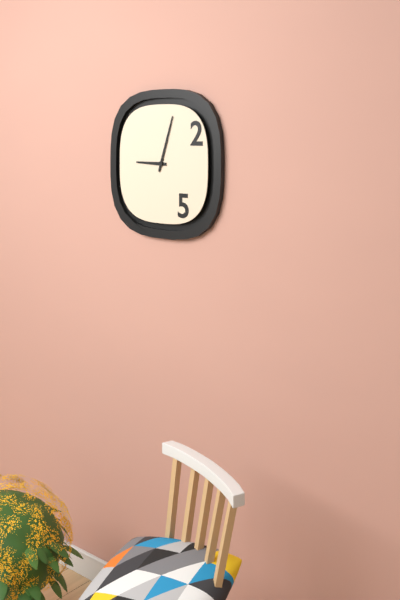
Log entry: 9:03
